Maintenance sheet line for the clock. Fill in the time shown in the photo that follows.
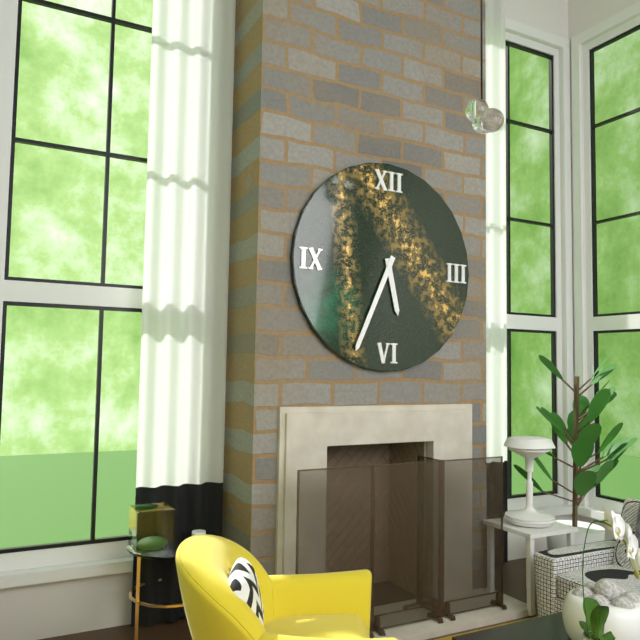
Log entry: 5:34
